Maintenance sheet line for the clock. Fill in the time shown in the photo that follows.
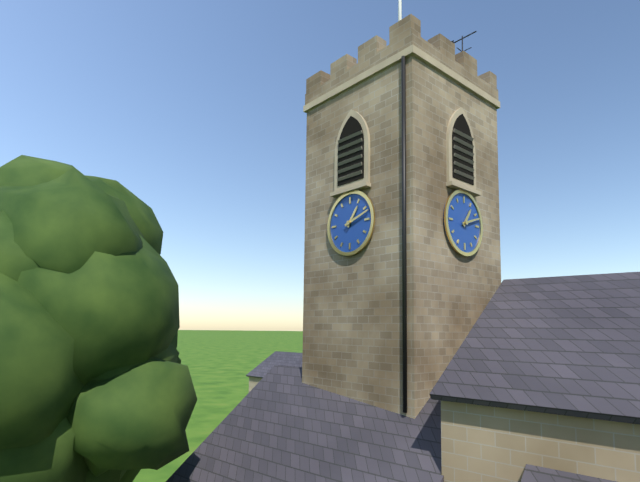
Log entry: 1:12
